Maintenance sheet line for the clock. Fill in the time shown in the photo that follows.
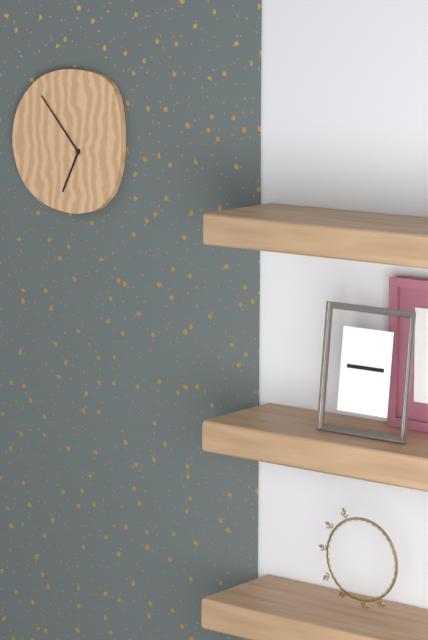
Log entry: 6:53
